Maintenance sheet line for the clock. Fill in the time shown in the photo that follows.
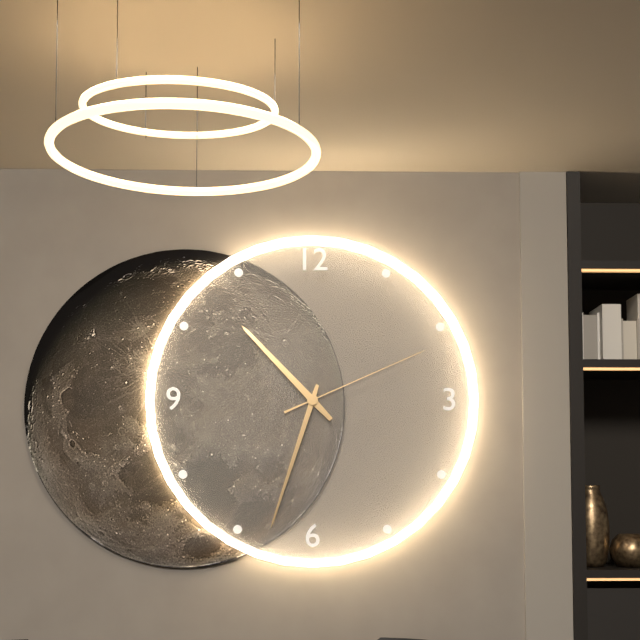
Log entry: 10:33:11
